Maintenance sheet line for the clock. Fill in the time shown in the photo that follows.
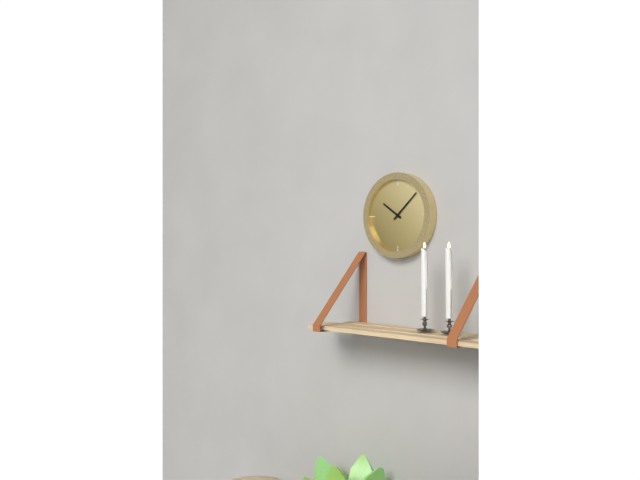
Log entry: 10:08
